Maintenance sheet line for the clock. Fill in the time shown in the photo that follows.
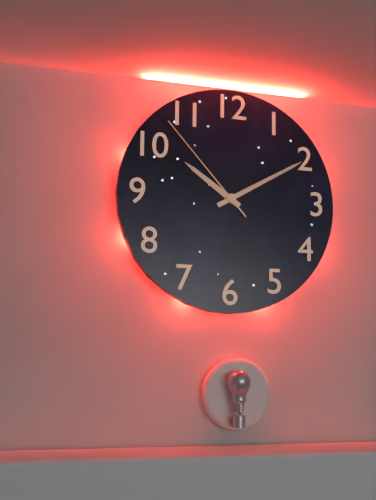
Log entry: 10:10:53
